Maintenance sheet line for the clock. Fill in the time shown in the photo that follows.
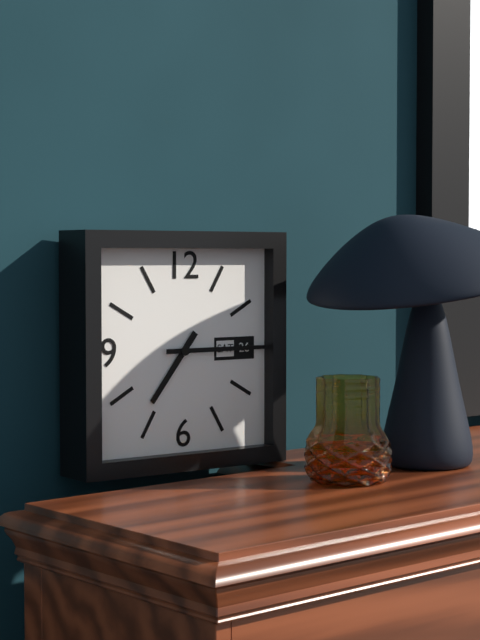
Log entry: 7:15
